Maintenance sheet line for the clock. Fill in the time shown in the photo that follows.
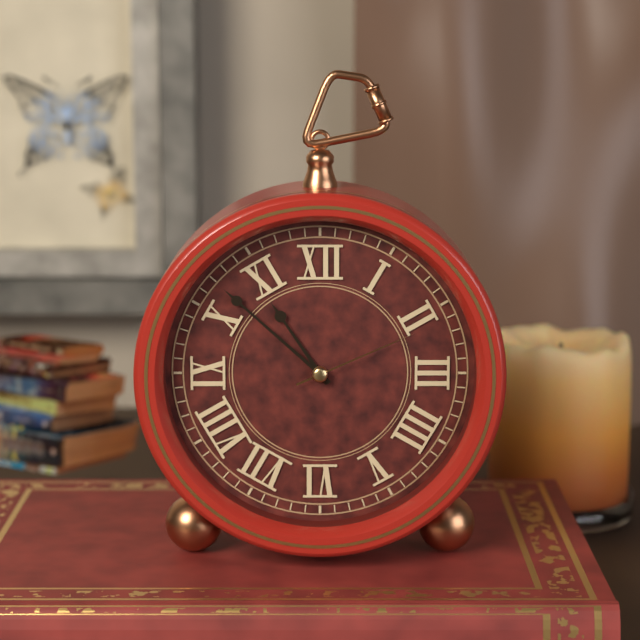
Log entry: 10:52:11
